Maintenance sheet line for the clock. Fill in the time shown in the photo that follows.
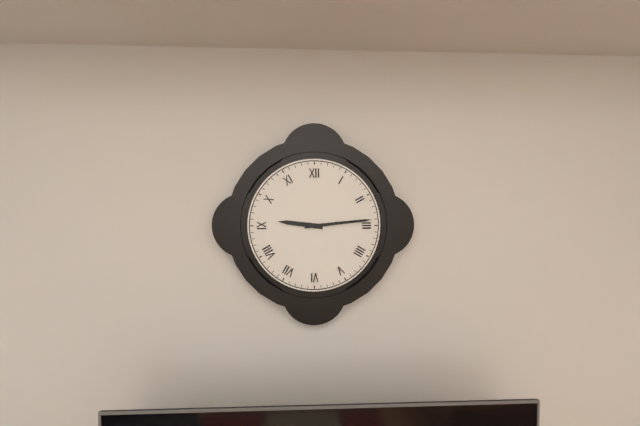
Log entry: 9:14
